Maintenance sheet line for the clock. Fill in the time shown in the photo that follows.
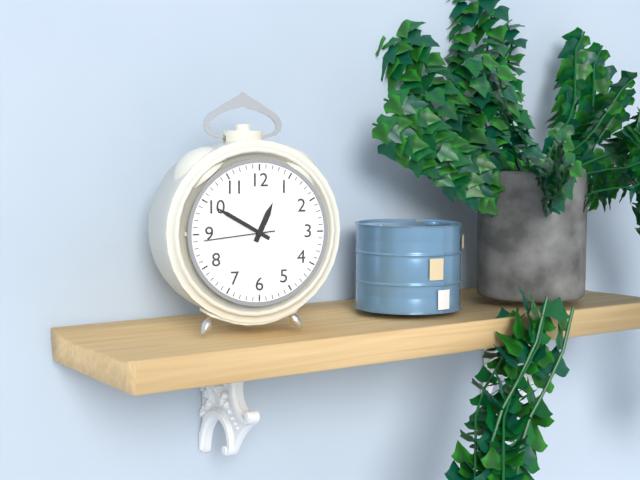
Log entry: 12:50:44
